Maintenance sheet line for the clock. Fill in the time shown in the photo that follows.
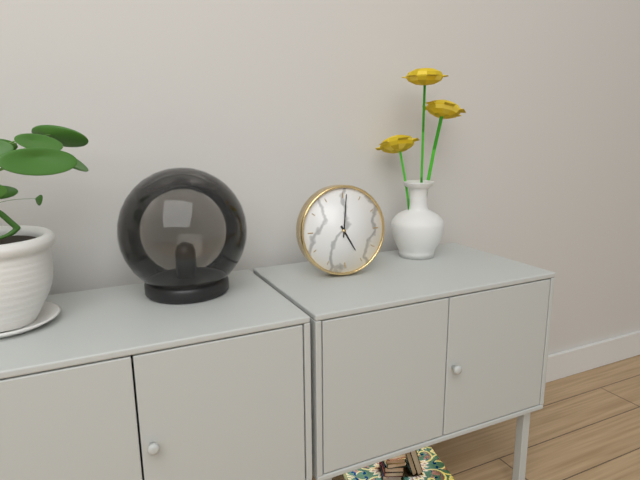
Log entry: 5:01
